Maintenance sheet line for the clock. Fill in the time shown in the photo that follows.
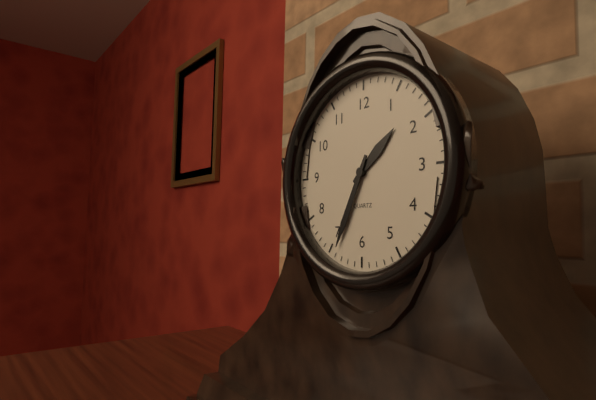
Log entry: 1:34
